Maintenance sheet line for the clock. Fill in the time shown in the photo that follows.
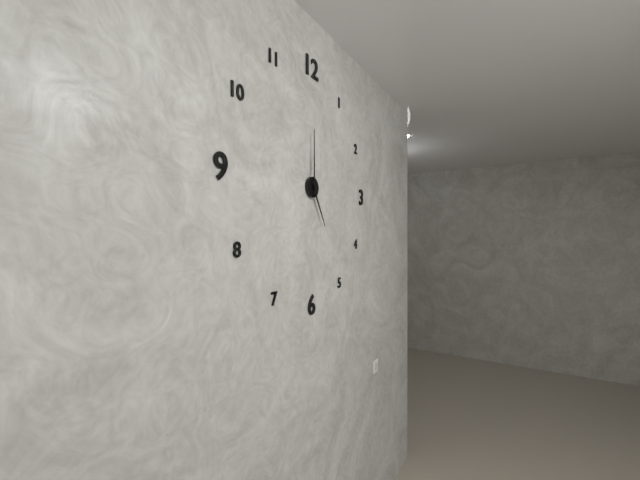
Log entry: 5:00
